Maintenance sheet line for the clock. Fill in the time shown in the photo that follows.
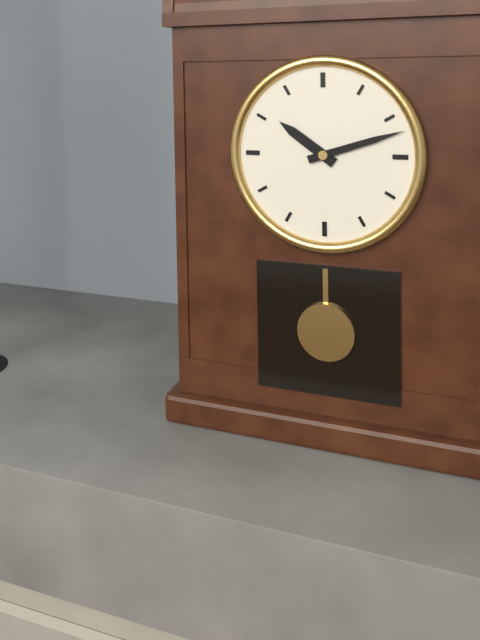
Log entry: 10:12
